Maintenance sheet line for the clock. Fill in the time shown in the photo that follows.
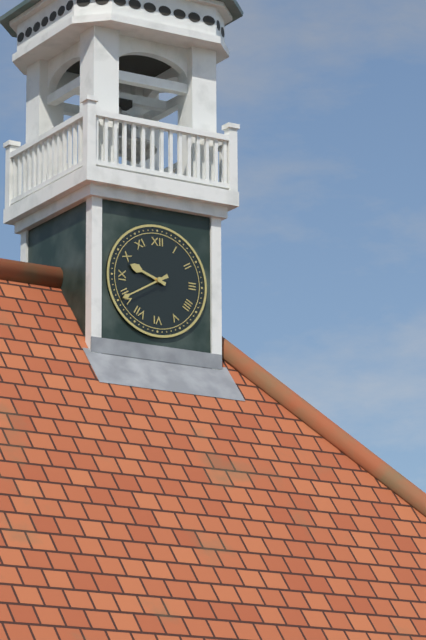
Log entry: 9:40
